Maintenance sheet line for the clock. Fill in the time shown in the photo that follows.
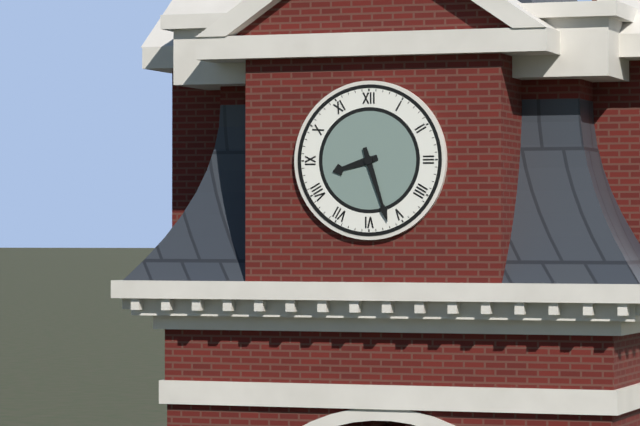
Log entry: 8:27
